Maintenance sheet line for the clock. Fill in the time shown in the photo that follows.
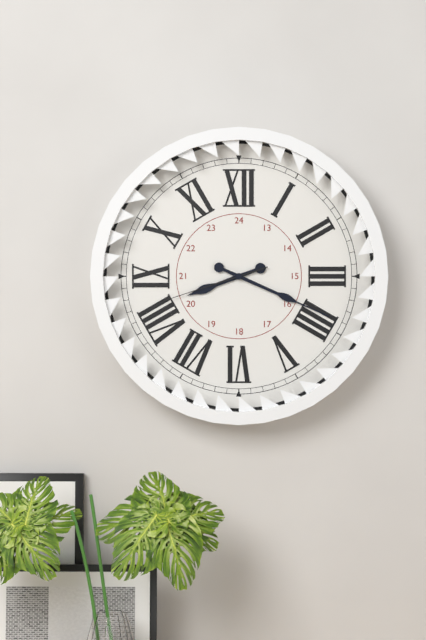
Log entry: 8:19:42
